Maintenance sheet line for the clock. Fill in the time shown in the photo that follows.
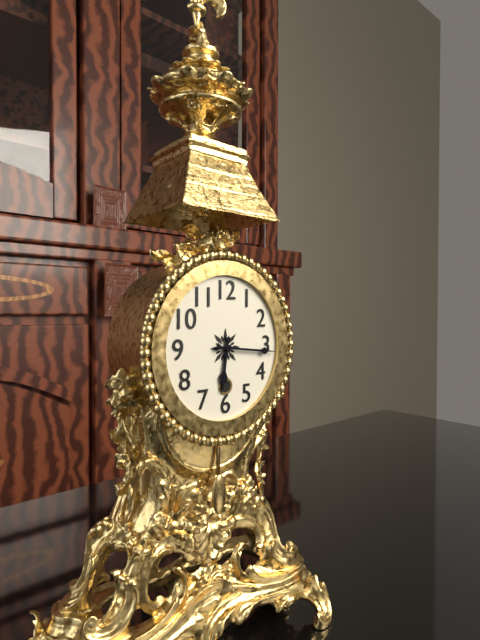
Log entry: 6:16
